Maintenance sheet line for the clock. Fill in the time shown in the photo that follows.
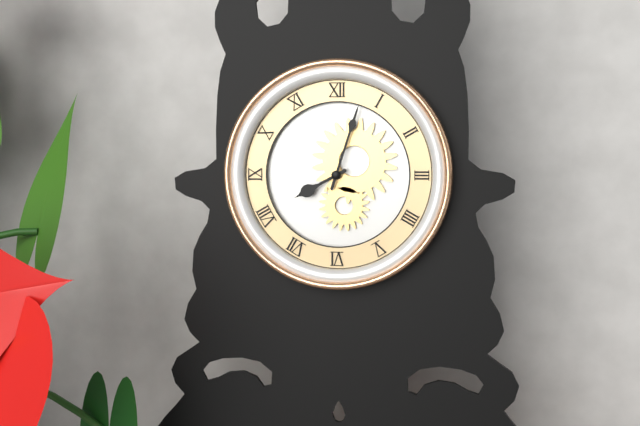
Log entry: 8:03
